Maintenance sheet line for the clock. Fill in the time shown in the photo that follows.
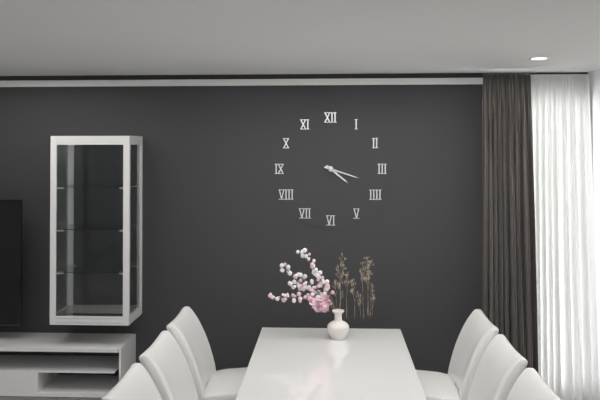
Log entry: 4:18
